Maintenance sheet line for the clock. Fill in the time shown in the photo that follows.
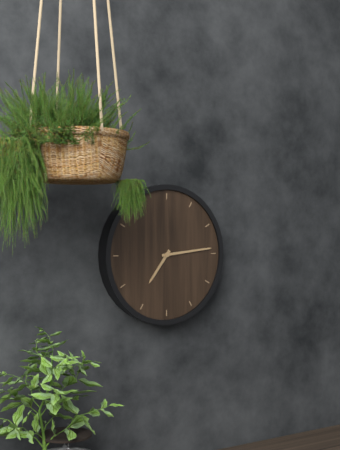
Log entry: 7:14
